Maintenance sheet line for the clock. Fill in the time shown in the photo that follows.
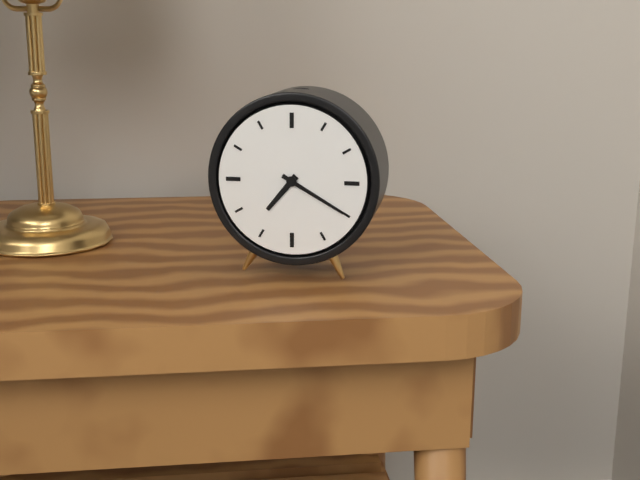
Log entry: 7:20
